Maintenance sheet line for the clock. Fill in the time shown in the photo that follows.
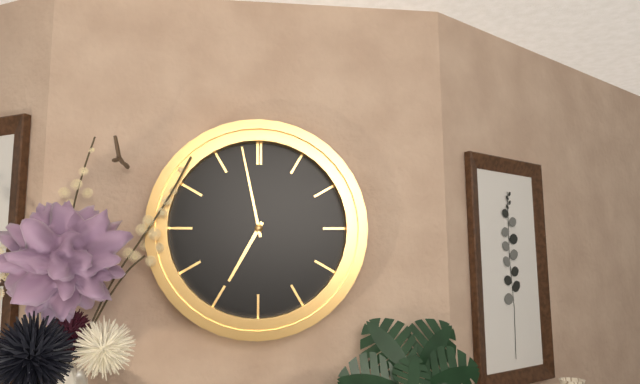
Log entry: 6:58
